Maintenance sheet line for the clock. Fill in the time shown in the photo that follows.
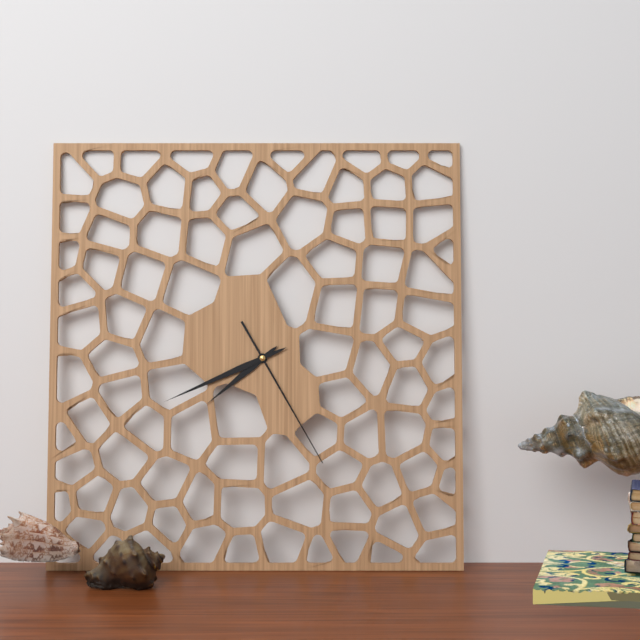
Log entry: 7:41:25
